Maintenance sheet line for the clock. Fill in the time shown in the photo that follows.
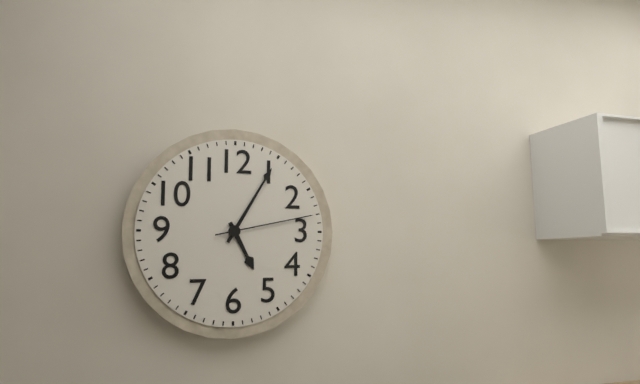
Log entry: 5:05:13
